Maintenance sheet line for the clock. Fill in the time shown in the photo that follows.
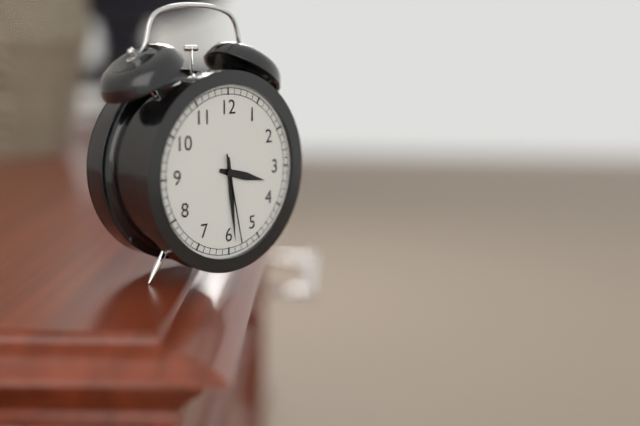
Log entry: 3:29:28
